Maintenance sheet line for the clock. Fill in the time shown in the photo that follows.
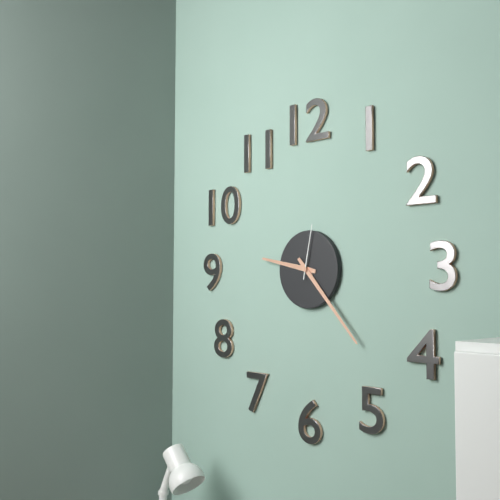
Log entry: 9:23:02
